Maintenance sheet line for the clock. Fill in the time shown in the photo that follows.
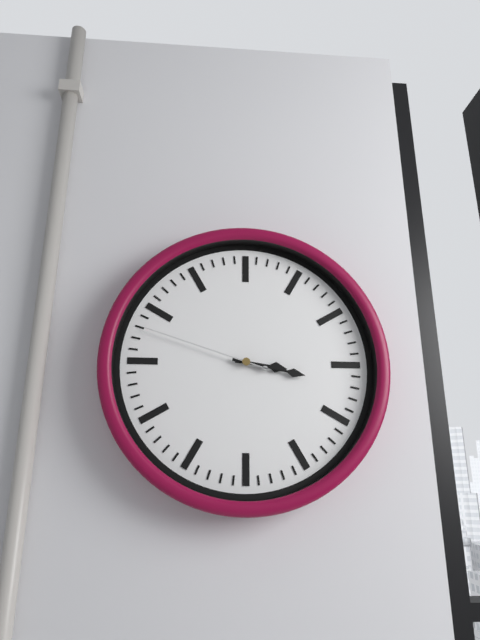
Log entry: 3:17:48
